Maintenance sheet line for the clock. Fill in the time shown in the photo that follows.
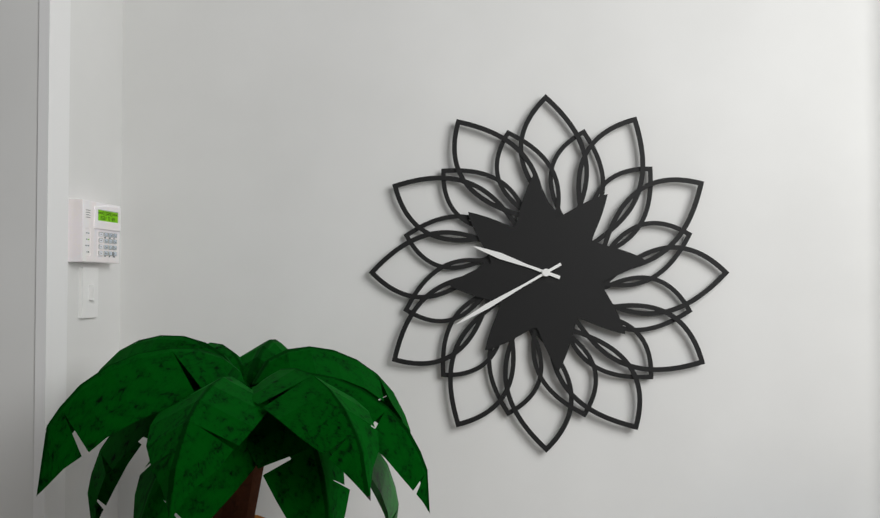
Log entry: 9:40
